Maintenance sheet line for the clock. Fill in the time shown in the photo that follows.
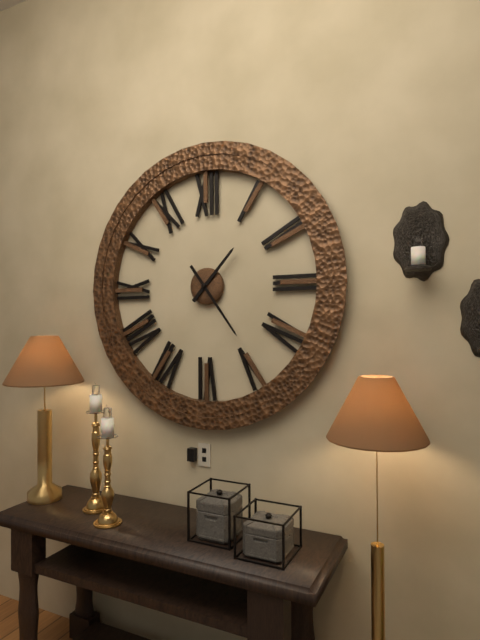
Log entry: 1:24
